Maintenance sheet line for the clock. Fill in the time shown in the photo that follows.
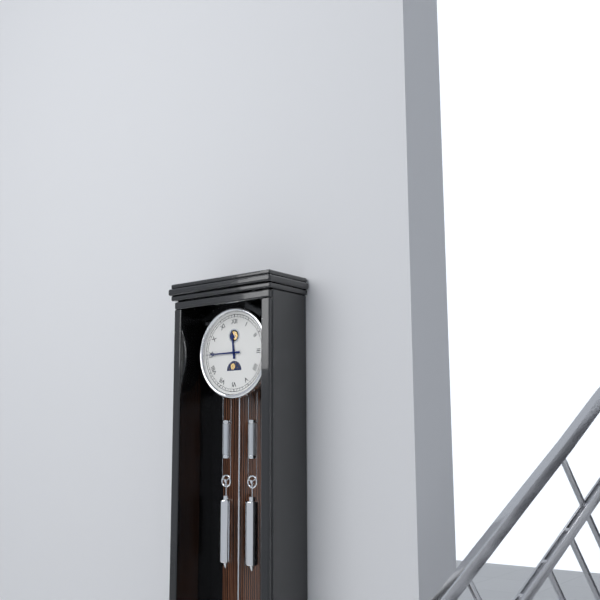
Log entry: 11:45
